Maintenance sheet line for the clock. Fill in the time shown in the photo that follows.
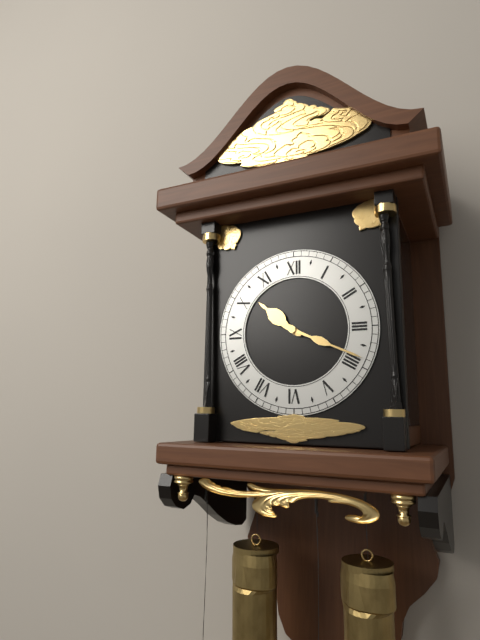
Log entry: 10:19
